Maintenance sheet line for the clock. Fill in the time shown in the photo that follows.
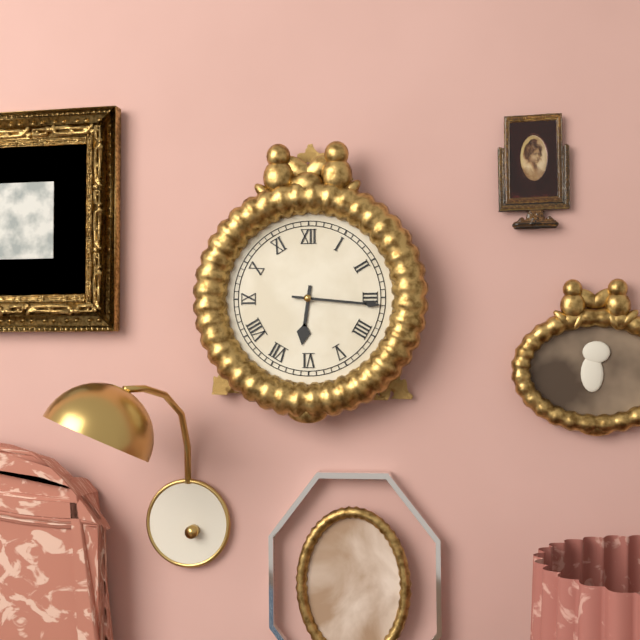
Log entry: 6:16
